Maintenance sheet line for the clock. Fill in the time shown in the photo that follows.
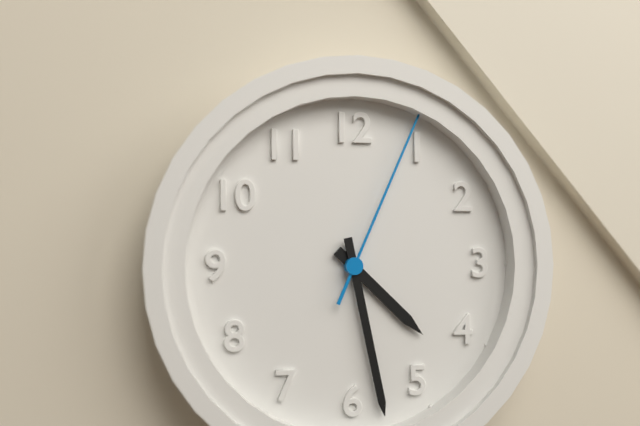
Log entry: 4:28:04
